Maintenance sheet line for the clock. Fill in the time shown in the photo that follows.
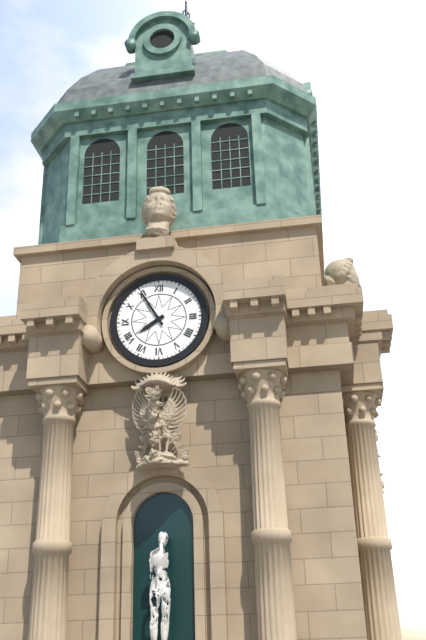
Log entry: 7:55
